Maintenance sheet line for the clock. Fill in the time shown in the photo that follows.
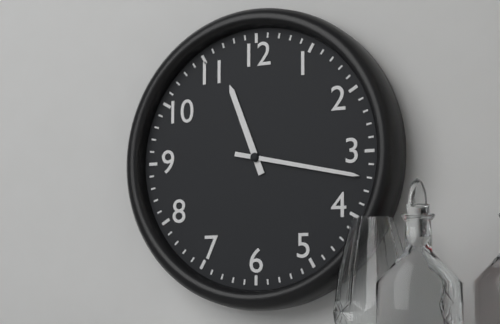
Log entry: 11:17
